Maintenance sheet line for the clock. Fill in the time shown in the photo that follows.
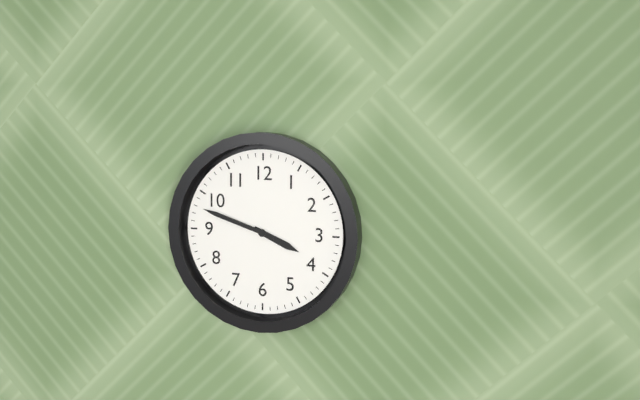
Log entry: 3:48
